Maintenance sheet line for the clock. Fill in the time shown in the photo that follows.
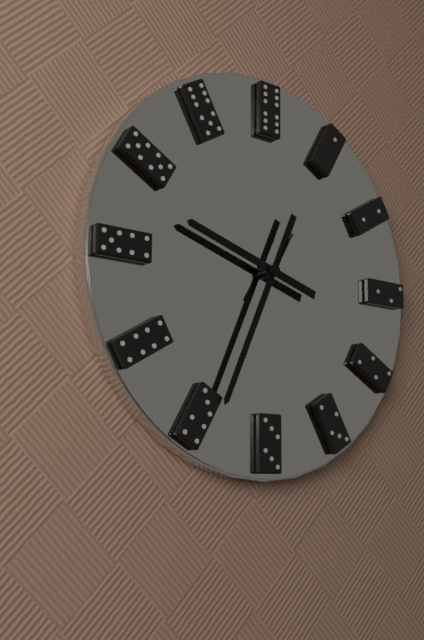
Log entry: 9:34:05
